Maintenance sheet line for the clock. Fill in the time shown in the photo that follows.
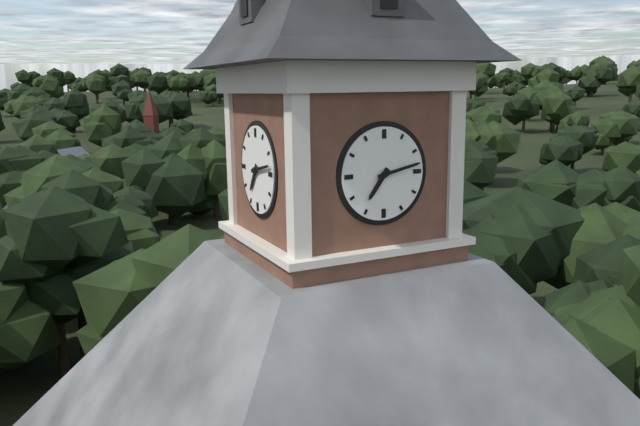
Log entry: 7:13
